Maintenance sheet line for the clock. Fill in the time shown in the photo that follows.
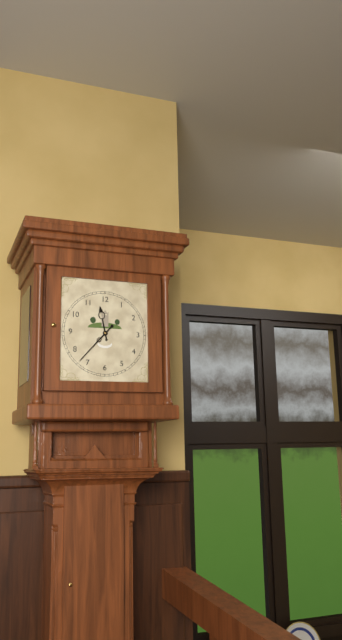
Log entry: 11:37
